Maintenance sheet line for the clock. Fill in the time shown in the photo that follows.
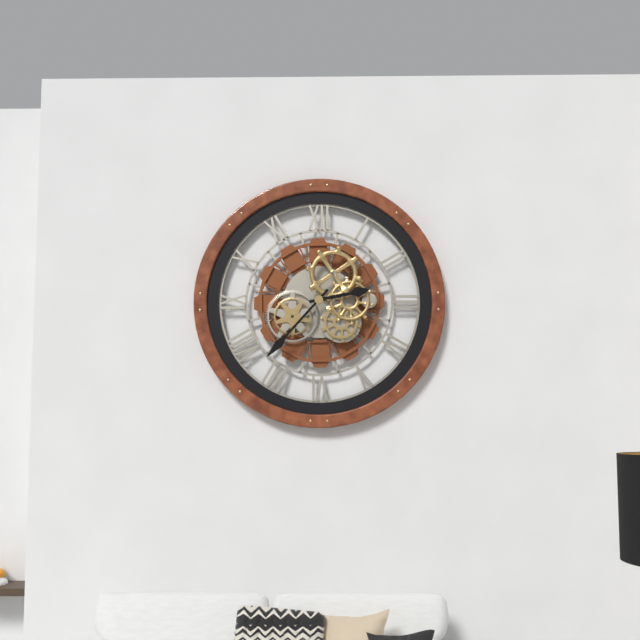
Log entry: 2:37
